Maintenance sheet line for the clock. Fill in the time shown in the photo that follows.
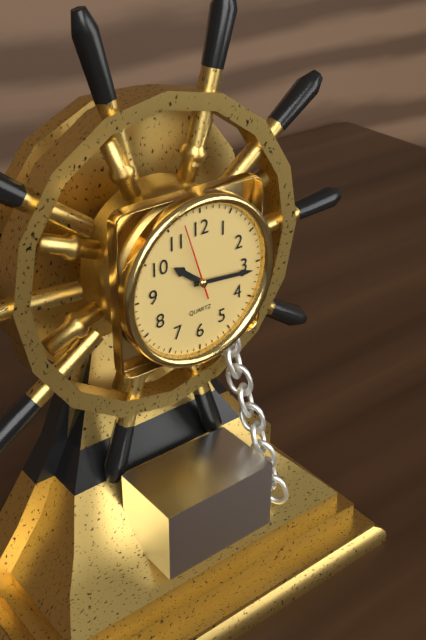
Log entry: 10:16:57
